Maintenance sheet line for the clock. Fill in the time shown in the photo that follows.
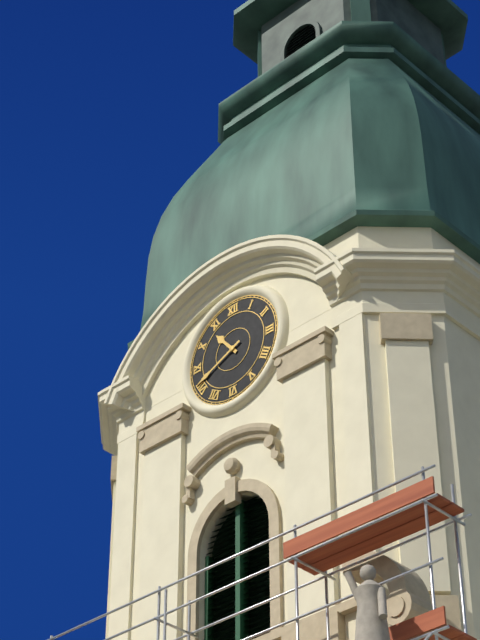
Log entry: 10:41
